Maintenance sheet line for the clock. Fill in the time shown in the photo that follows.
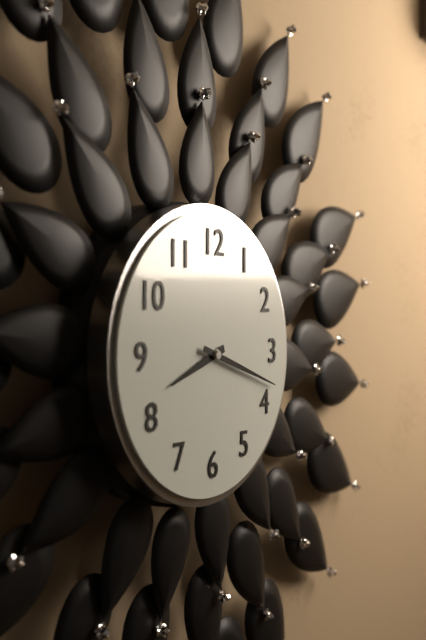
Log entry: 8:18
